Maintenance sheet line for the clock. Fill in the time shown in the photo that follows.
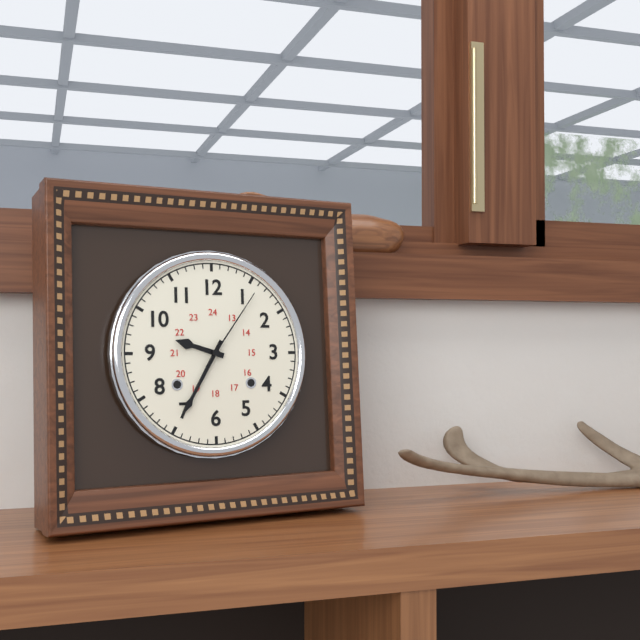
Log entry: 9:35:06
